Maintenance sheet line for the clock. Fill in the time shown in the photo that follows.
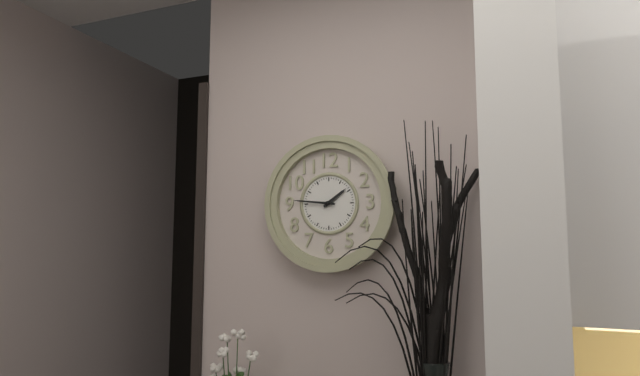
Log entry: 1:46
